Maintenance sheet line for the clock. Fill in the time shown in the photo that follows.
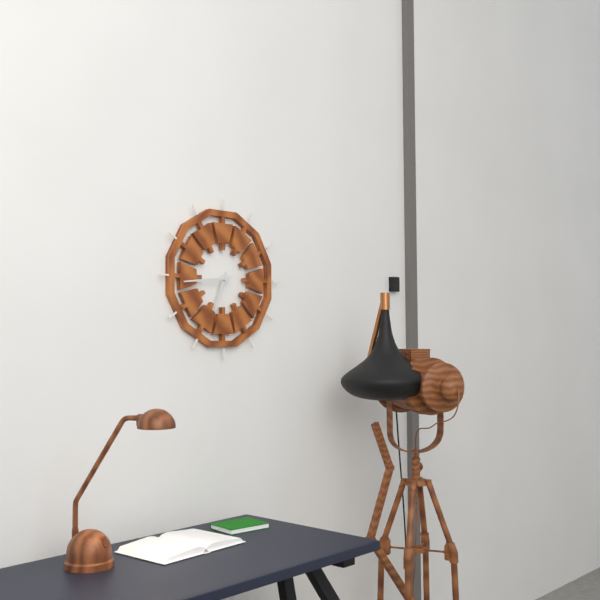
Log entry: 6:44
